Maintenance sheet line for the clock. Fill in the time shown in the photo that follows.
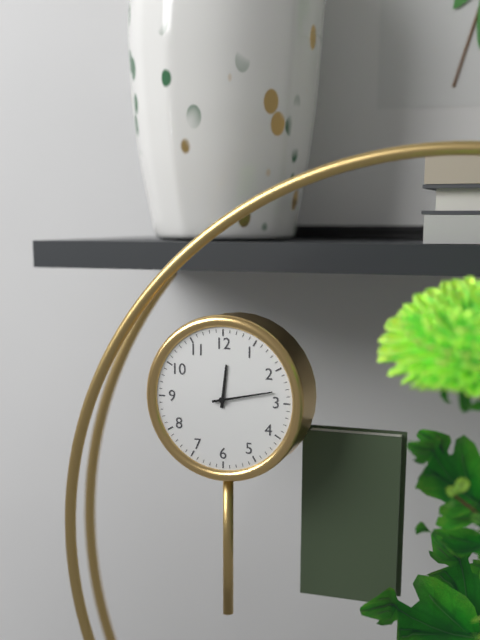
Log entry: 12:13
